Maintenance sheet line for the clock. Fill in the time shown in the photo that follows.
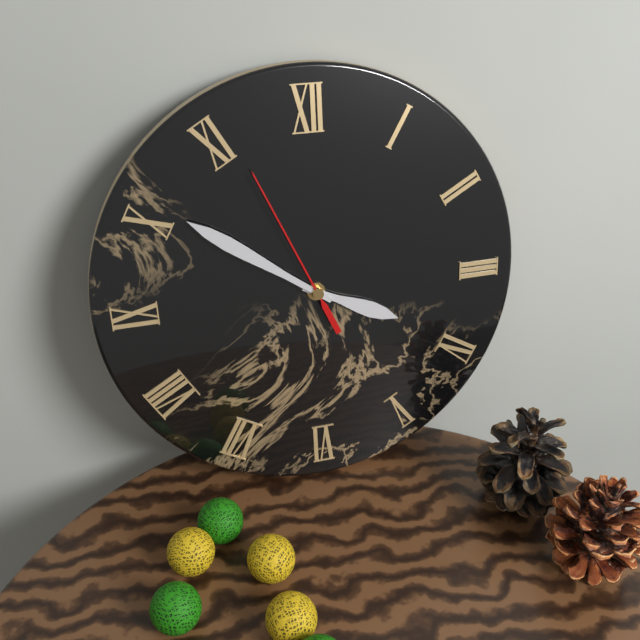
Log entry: 3:51:56
